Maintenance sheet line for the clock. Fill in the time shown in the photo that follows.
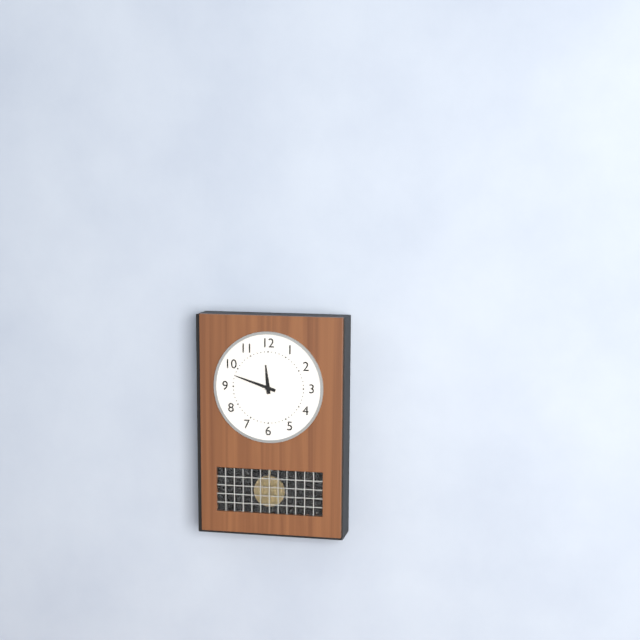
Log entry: 11:48
